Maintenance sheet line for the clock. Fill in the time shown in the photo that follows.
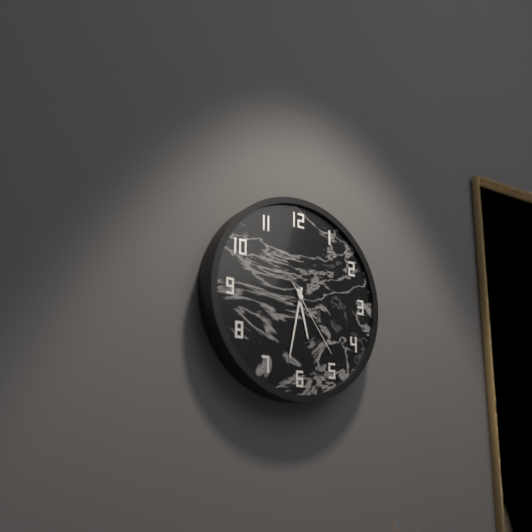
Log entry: 5:32:24
